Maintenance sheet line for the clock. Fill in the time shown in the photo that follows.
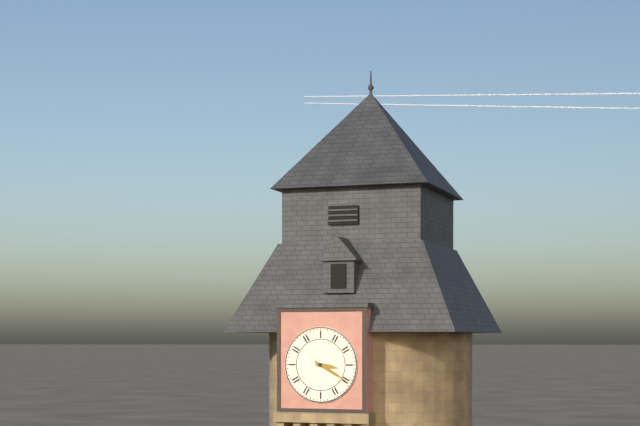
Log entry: 3:20
